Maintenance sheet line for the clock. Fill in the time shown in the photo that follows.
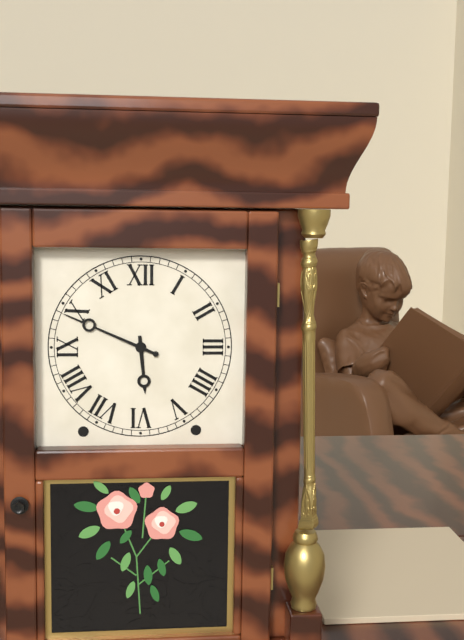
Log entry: 5:49
